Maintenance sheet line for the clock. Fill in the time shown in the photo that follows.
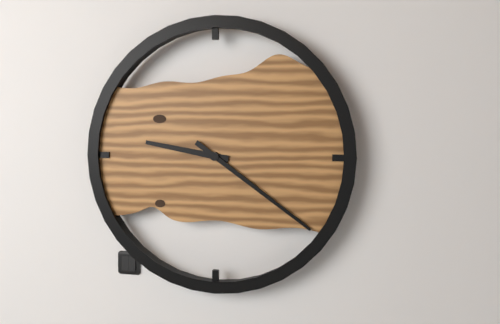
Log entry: 9:21
